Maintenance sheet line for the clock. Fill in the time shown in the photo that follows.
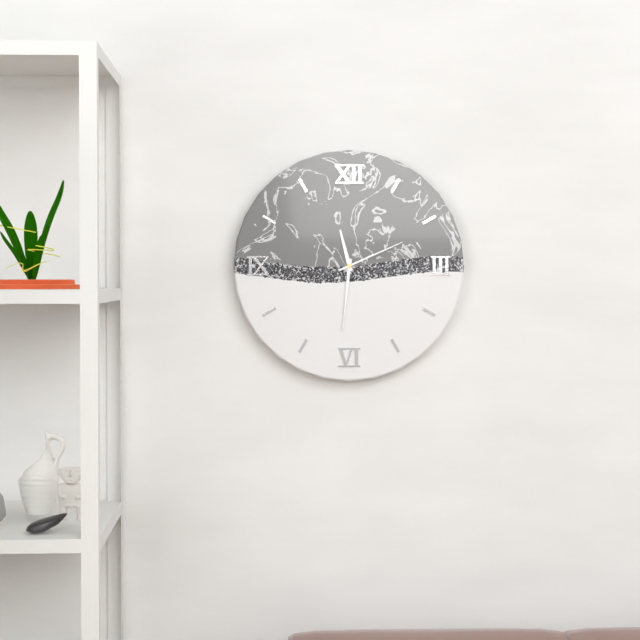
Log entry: 11:31:11
